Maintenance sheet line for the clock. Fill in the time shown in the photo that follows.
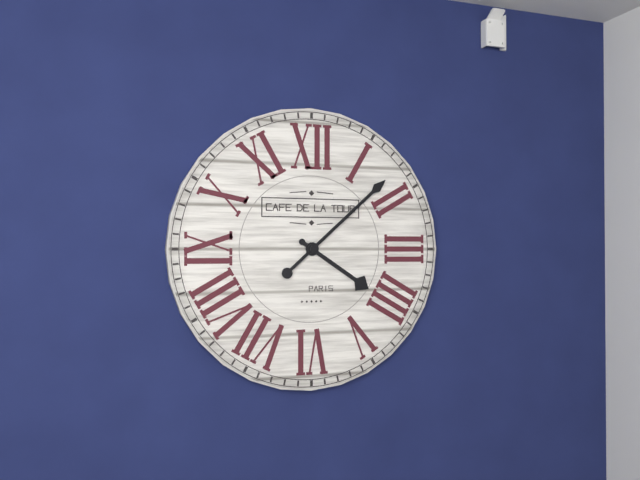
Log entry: 4:08
